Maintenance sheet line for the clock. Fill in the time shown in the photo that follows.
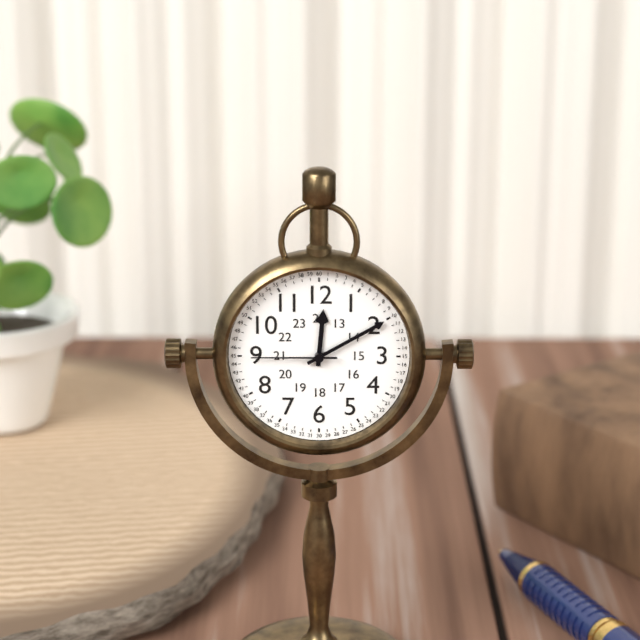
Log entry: 12:10:45
